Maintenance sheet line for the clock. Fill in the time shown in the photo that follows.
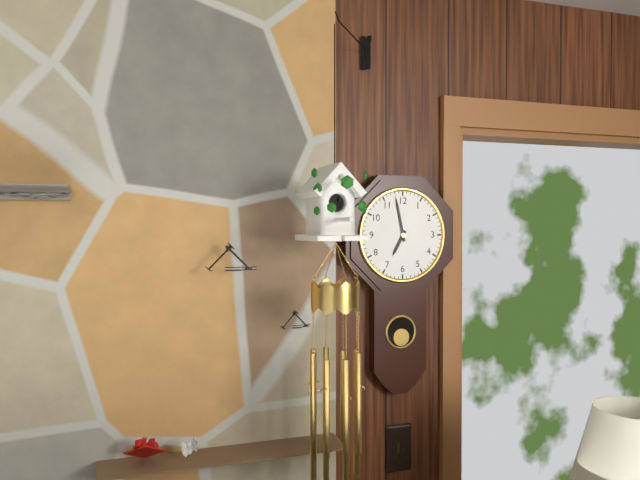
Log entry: 6:58
